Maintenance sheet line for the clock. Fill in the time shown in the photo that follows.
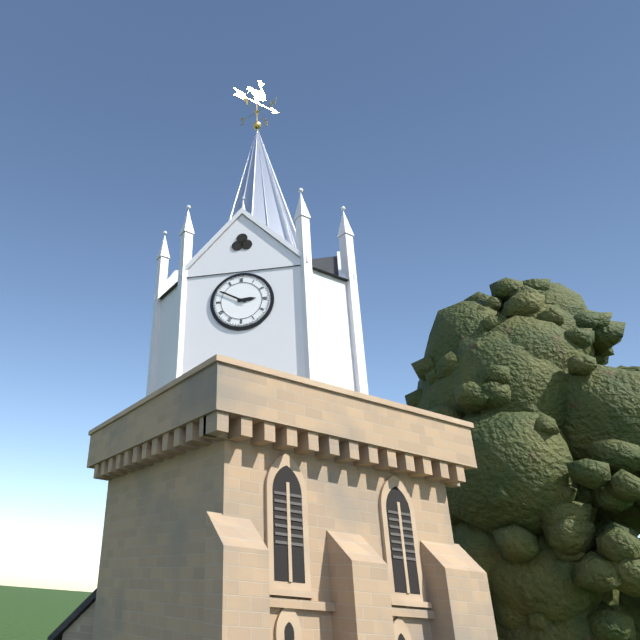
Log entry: 2:50
